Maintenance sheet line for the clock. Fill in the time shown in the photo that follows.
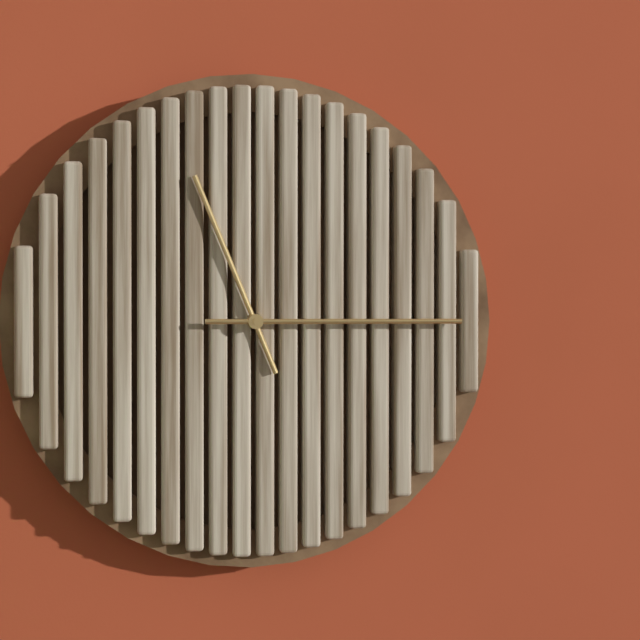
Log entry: 11:15
